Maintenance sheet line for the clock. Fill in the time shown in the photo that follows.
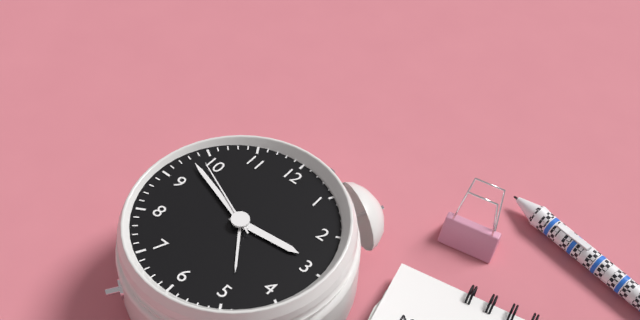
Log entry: 2:48:49
